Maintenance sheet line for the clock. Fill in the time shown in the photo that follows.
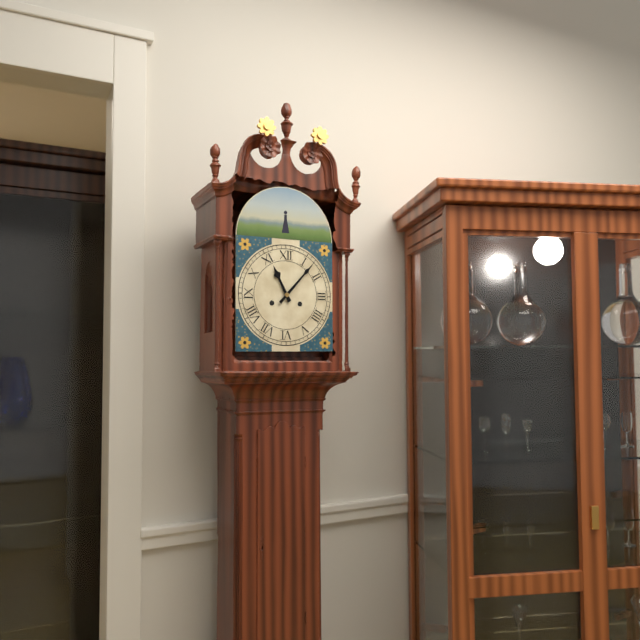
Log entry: 11:07
